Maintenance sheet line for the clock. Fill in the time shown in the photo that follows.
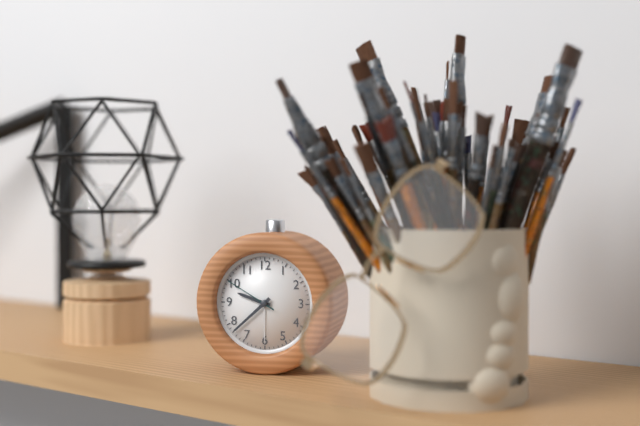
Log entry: 9:38:50
